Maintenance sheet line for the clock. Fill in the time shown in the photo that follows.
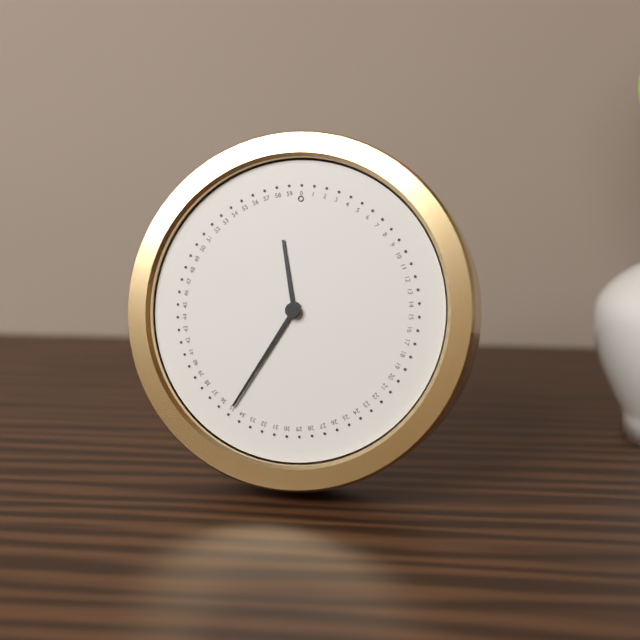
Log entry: 11:35
